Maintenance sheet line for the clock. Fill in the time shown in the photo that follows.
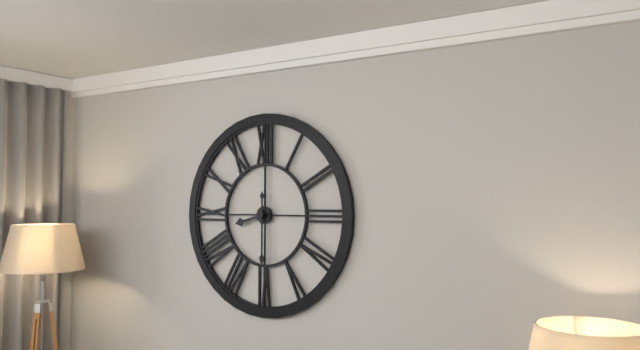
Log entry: 8:30
